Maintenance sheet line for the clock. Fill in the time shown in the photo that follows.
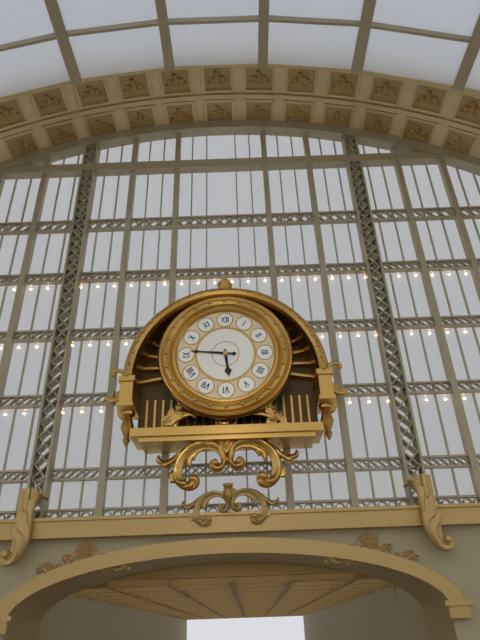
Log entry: 5:46
